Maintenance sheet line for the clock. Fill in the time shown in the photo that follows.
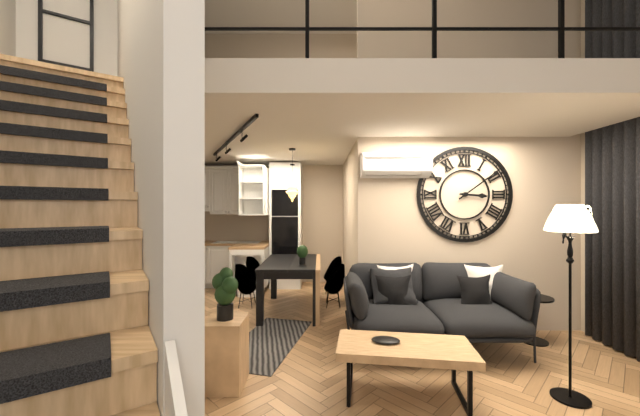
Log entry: 3:09
